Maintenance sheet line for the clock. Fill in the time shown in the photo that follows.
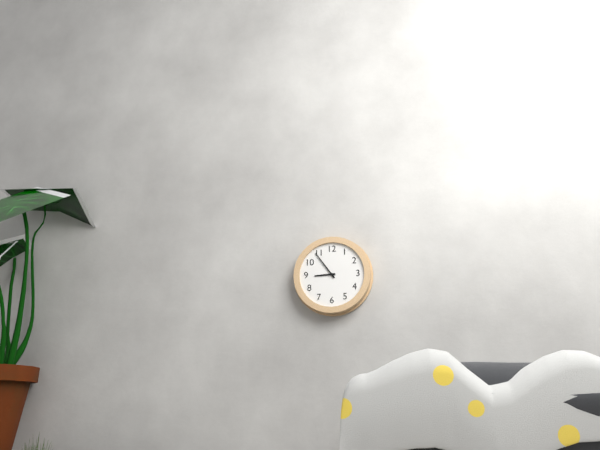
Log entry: 8:54
